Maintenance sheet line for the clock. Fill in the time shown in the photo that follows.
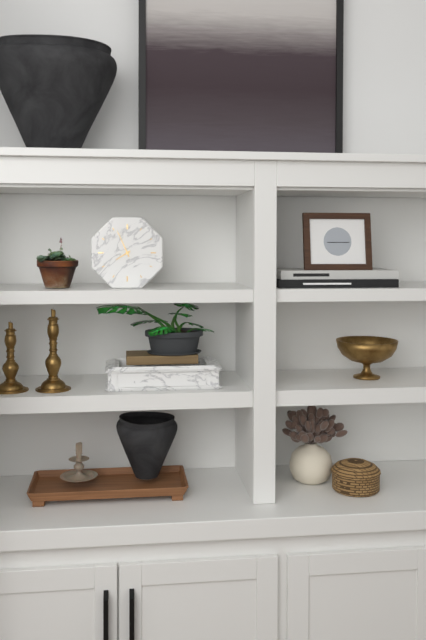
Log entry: 7:56
